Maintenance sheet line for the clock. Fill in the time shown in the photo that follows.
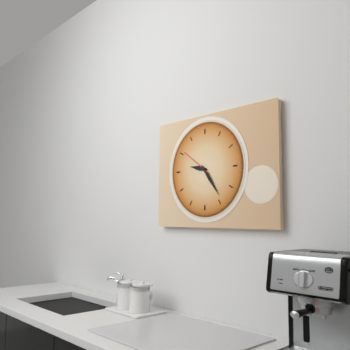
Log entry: 9:24
